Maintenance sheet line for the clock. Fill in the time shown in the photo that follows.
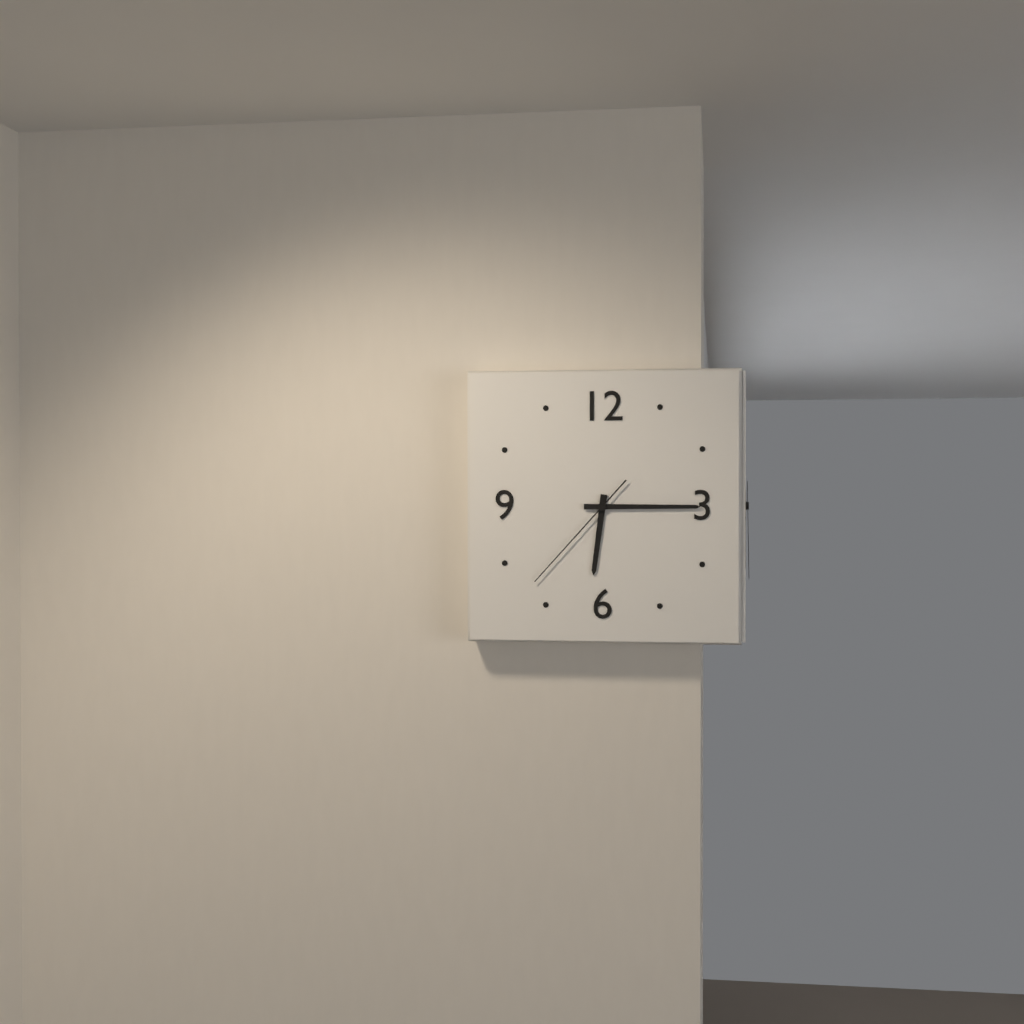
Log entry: 6:15:37
